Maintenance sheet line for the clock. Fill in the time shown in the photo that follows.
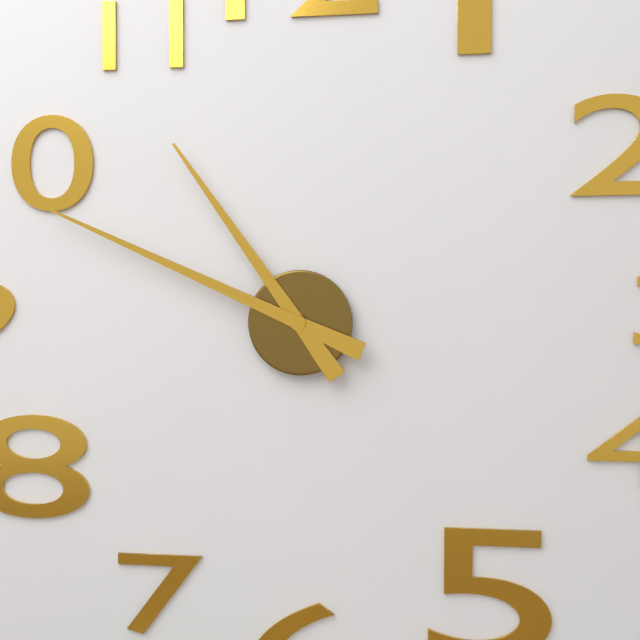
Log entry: 10:49
